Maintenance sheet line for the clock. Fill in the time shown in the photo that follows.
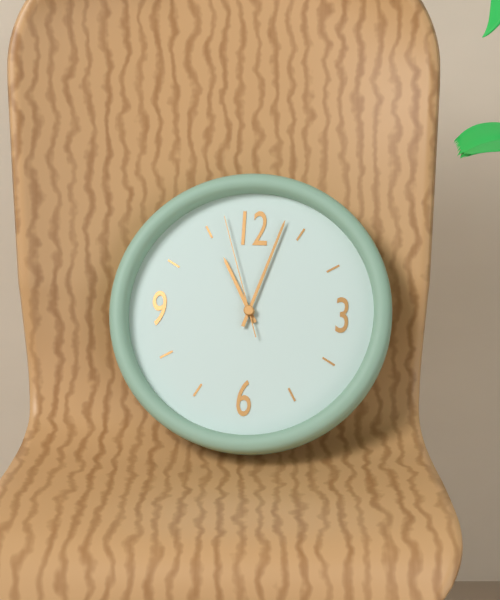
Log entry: 11:03:57
